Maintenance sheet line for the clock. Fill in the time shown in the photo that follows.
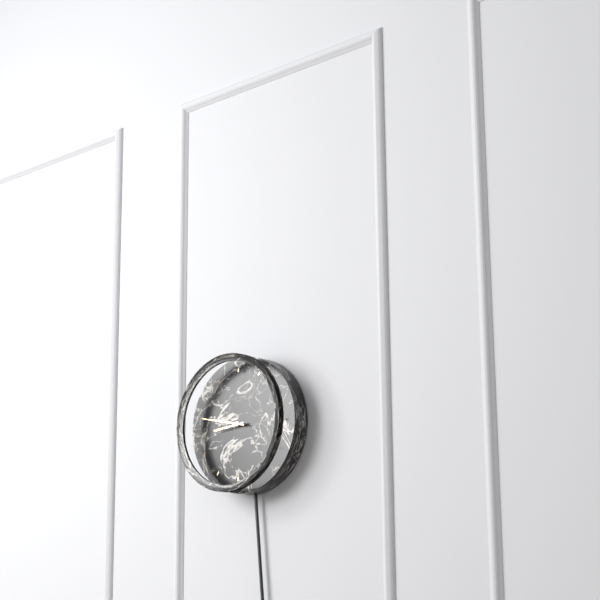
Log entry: 8:47
